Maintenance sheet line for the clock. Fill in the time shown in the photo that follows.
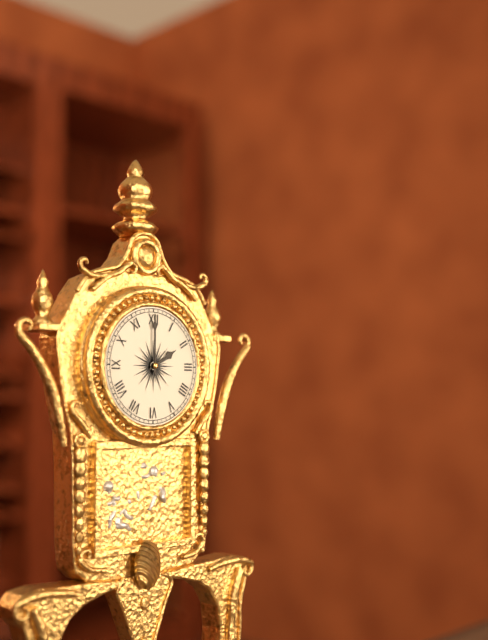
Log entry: 2:00
